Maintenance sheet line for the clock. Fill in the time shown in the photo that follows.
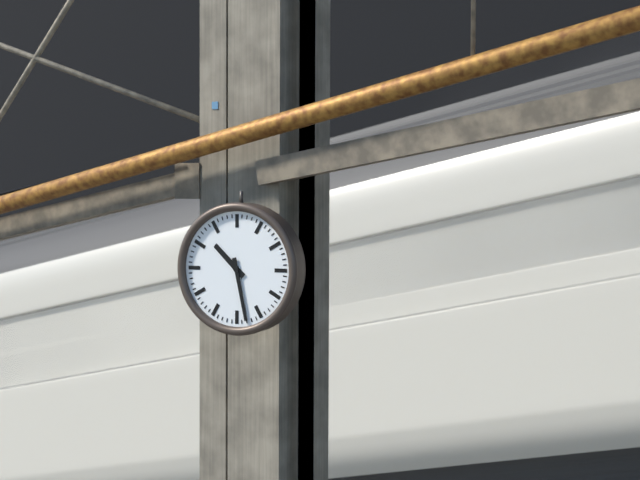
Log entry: 10:28
